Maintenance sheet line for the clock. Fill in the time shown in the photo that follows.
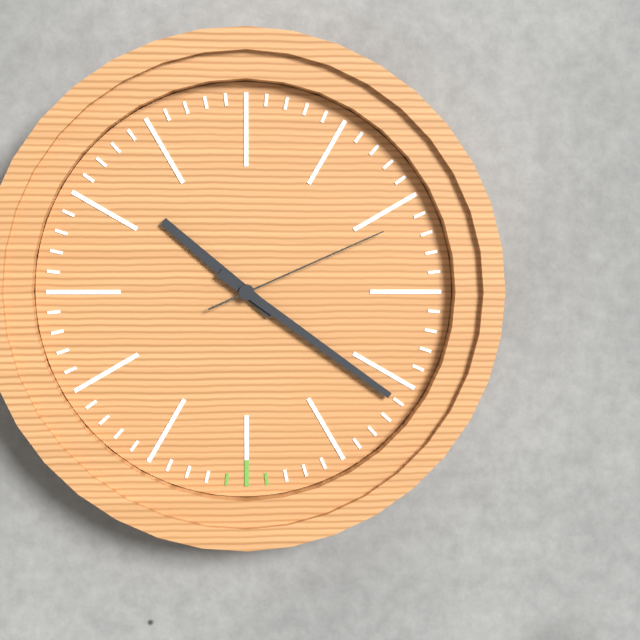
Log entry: 10:21:11
